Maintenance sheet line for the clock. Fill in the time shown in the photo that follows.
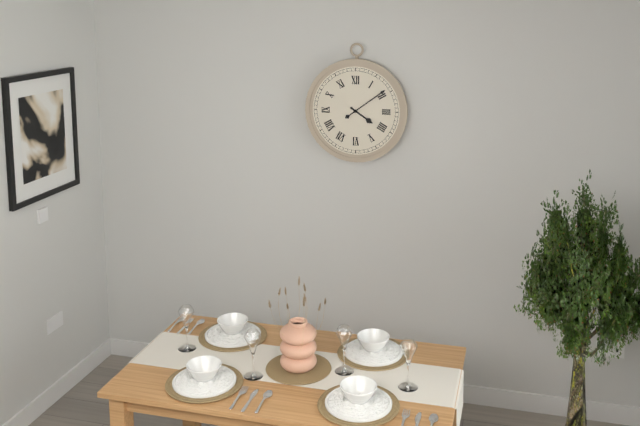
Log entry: 4:09
